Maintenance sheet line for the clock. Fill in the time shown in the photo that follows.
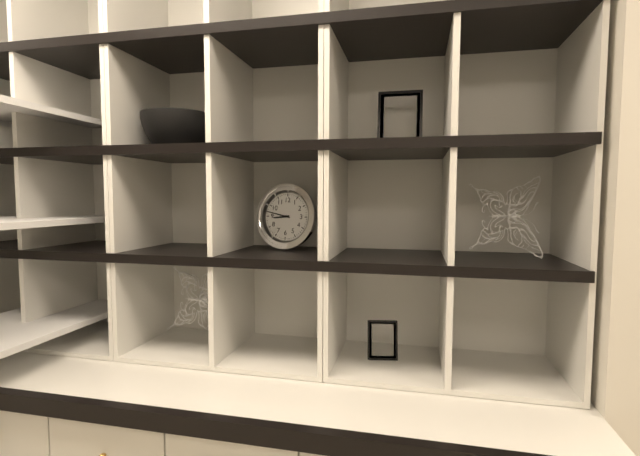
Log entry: 8:47
